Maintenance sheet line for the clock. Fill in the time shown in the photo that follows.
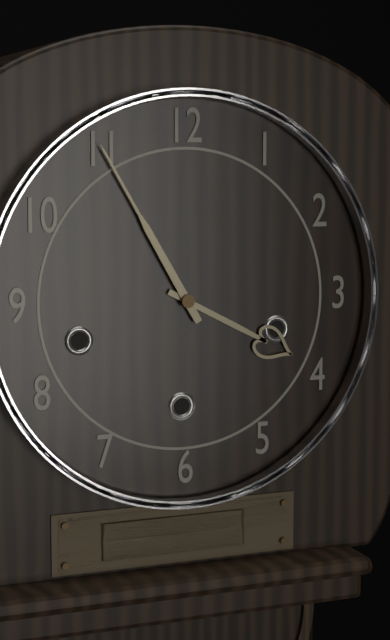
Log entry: 3:55
